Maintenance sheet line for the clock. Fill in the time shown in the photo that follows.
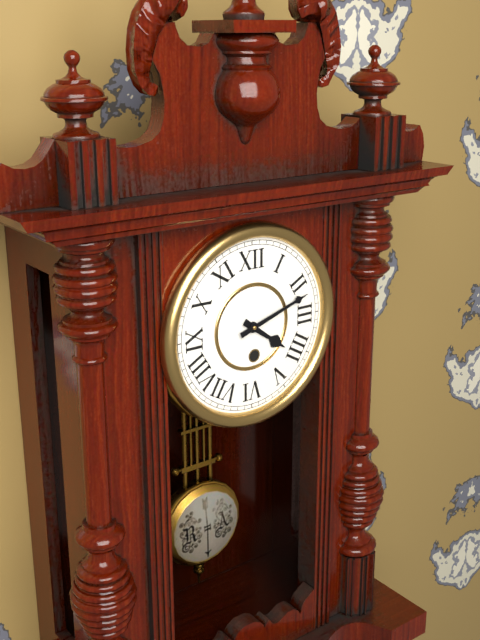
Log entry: 4:12
